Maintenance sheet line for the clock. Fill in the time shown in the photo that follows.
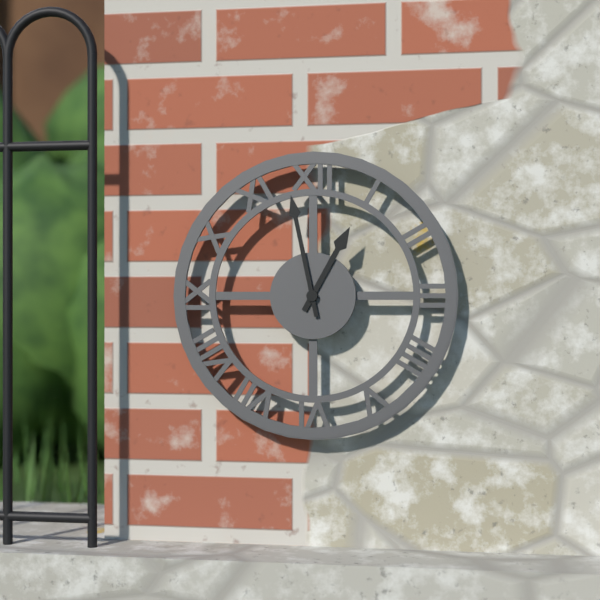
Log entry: 12:58
